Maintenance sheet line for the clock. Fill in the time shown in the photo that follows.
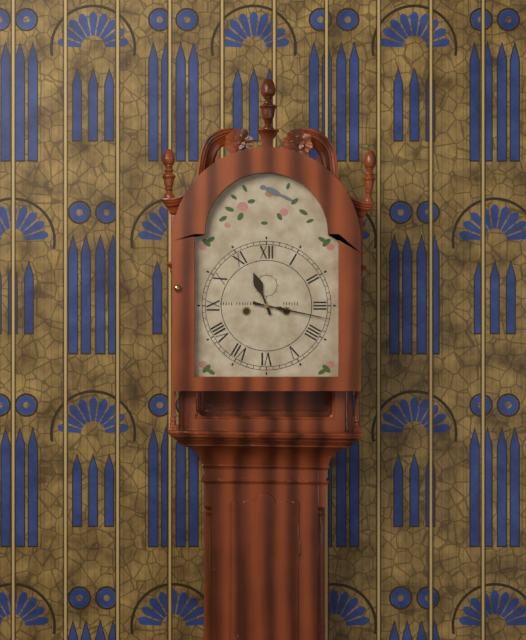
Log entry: 11:17
